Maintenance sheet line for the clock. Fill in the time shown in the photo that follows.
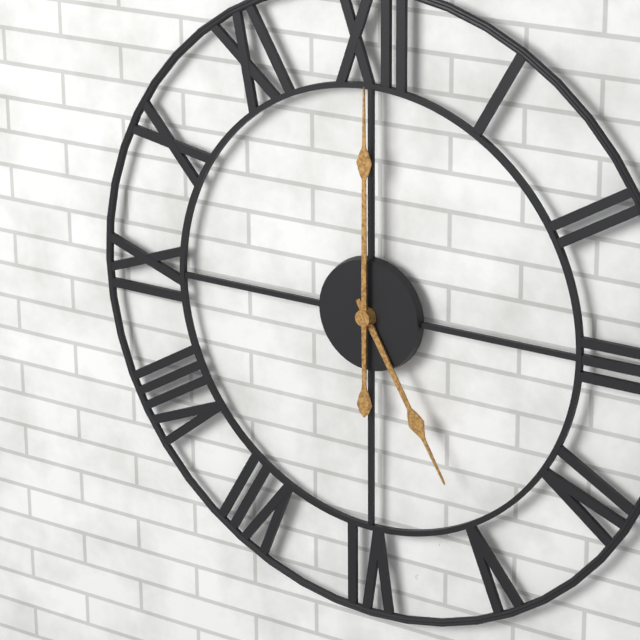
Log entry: 5:00
